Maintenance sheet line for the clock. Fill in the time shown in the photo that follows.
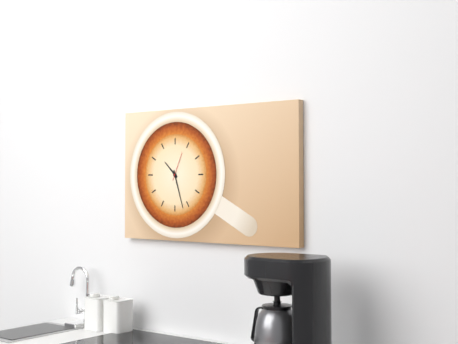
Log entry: 10:27
